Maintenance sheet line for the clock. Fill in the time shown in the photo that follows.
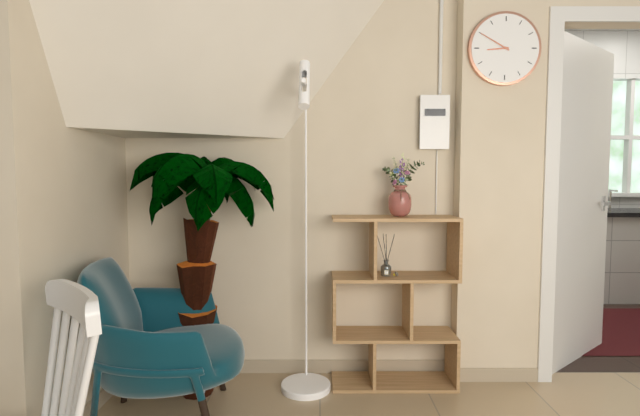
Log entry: 8:50
